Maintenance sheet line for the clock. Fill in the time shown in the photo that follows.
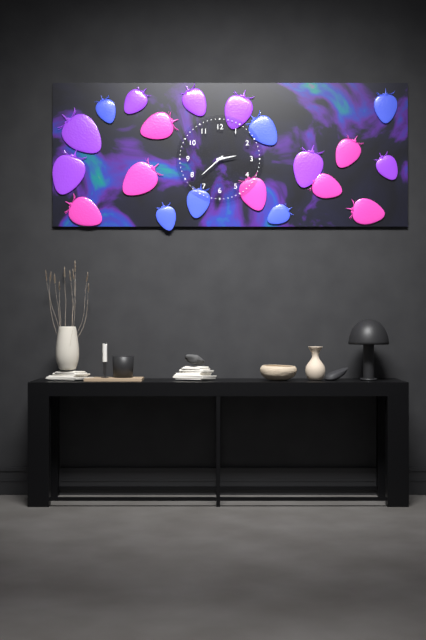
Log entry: 2:38
